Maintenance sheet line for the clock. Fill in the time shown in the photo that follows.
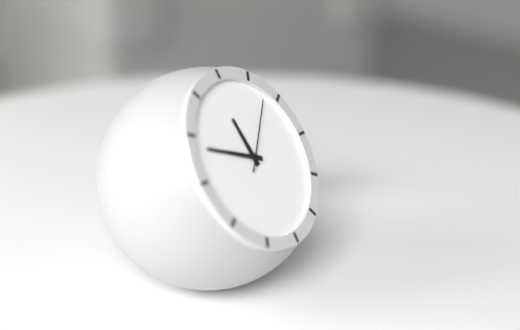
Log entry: 11:49:08
